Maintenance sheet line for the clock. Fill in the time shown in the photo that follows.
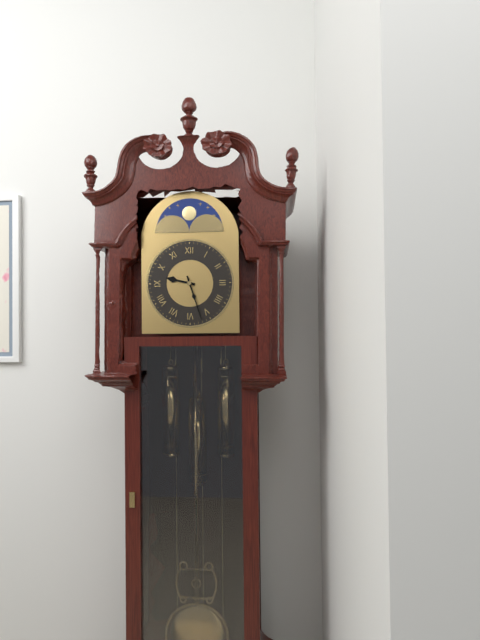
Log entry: 9:27
